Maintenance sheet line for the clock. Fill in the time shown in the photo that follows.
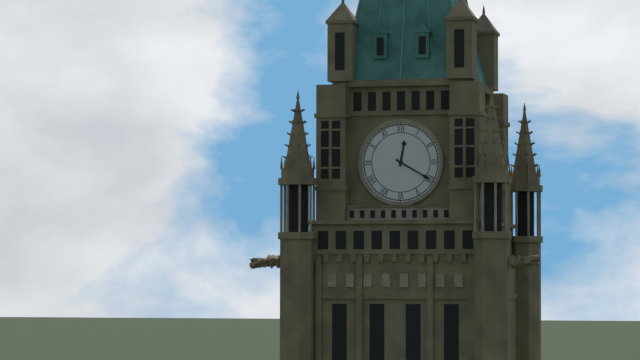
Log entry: 12:20
